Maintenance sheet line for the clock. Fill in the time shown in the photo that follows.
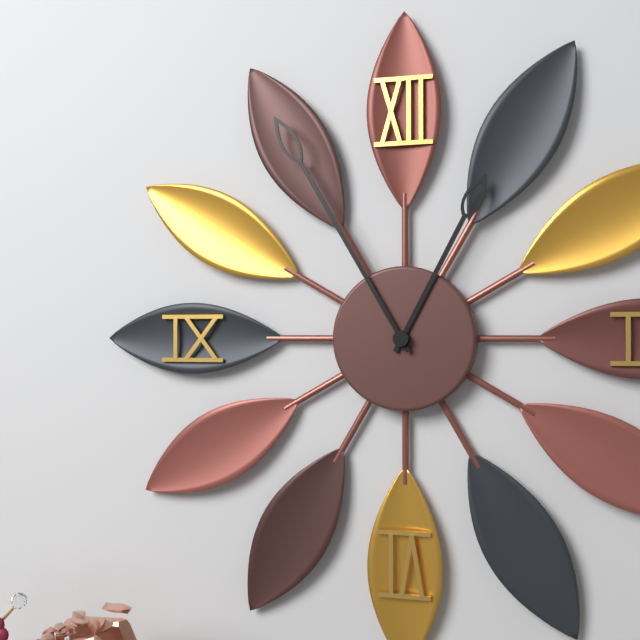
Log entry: 12:55
